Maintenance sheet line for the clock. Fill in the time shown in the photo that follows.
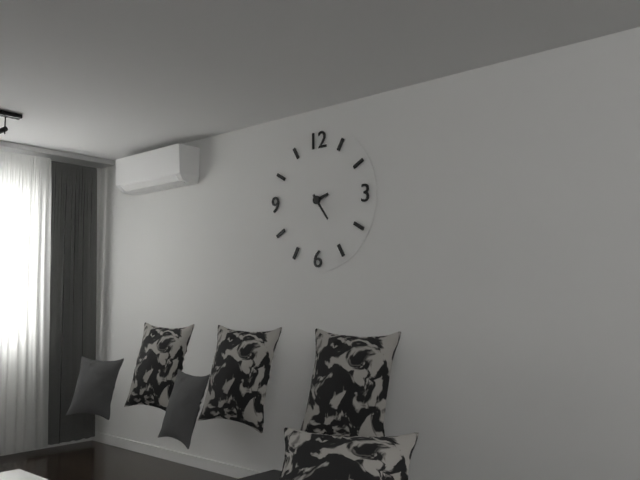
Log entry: 2:24
